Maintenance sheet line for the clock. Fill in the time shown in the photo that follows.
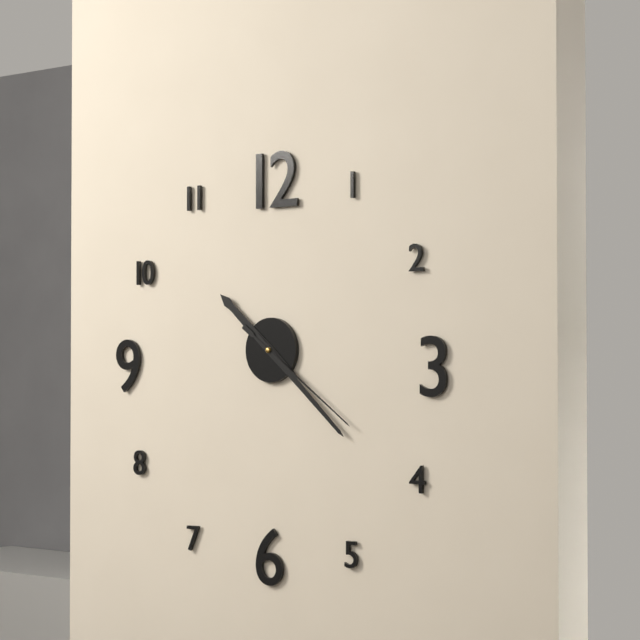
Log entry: 10:22:21
